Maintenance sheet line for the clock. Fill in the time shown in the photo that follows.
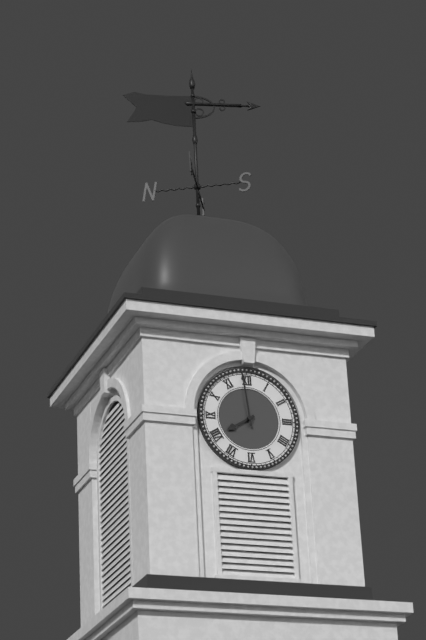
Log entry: 7:59
